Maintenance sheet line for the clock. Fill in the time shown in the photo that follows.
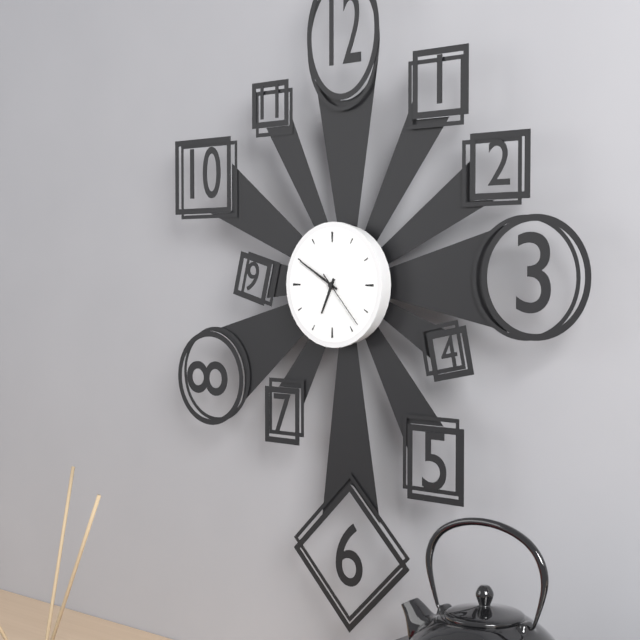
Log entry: 6:50:23
